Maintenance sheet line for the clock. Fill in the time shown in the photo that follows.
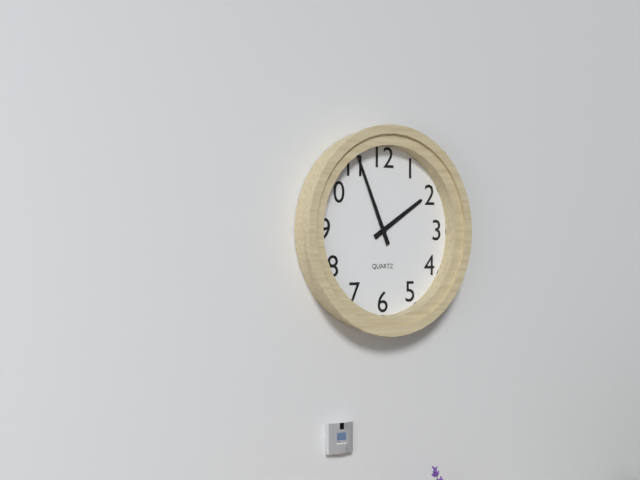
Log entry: 1:56
